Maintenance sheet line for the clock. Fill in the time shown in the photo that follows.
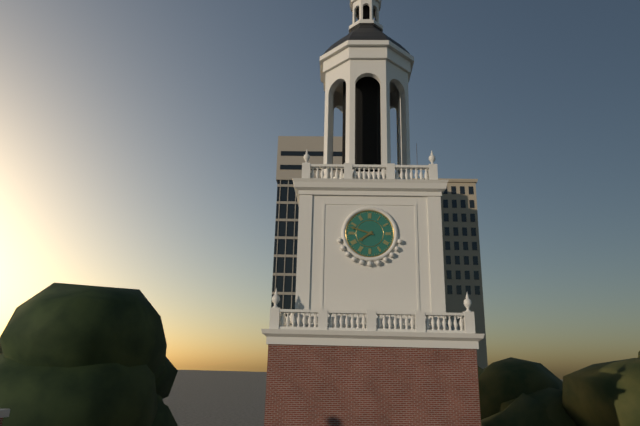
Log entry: 7:48
